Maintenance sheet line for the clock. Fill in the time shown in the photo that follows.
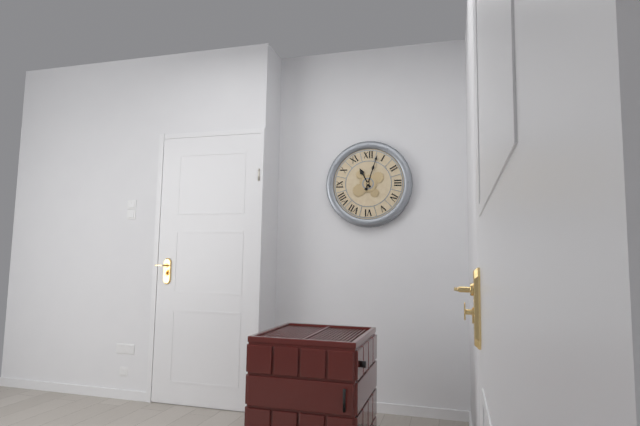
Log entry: 11:03
